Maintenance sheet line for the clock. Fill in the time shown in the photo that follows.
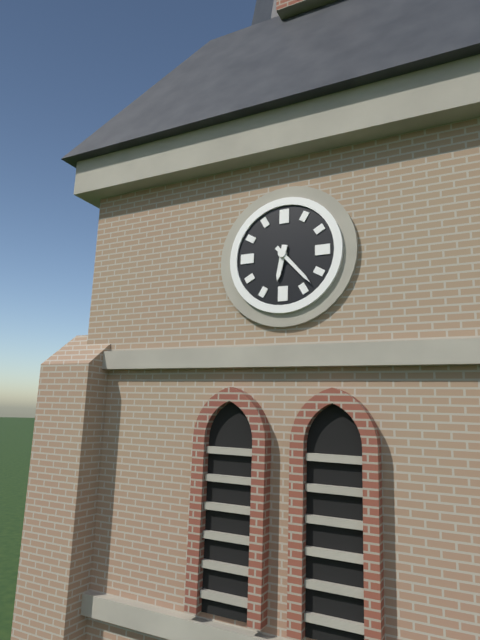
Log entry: 6:23
